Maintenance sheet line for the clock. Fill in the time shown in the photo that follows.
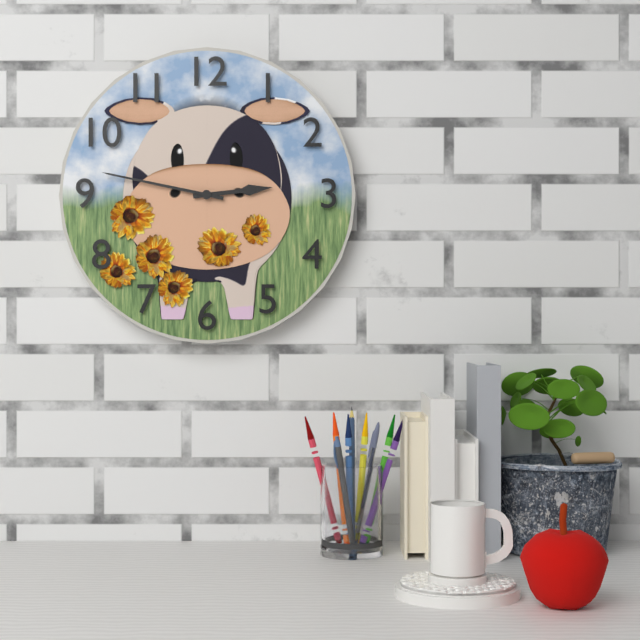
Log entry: 2:47
